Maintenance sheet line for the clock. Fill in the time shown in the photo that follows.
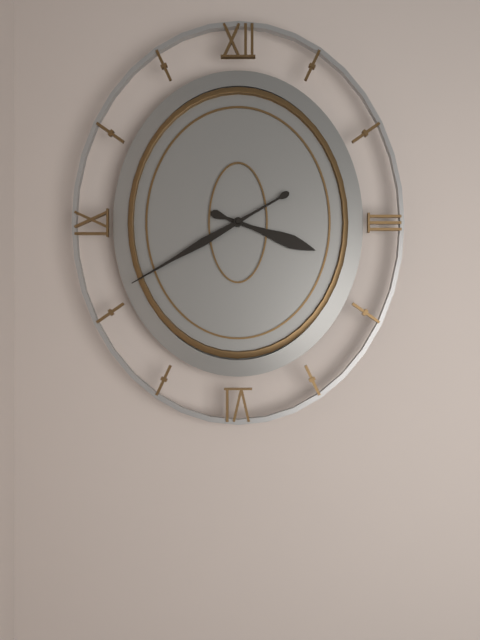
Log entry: 3:40
